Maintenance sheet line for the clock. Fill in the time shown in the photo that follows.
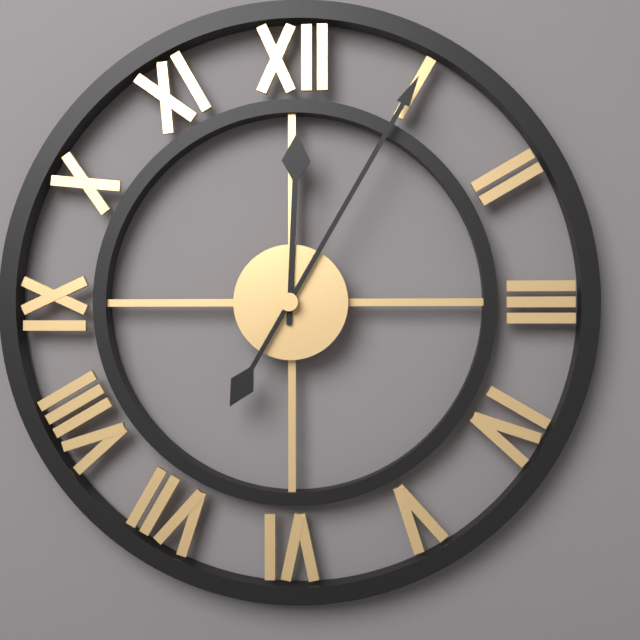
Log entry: 12:05
